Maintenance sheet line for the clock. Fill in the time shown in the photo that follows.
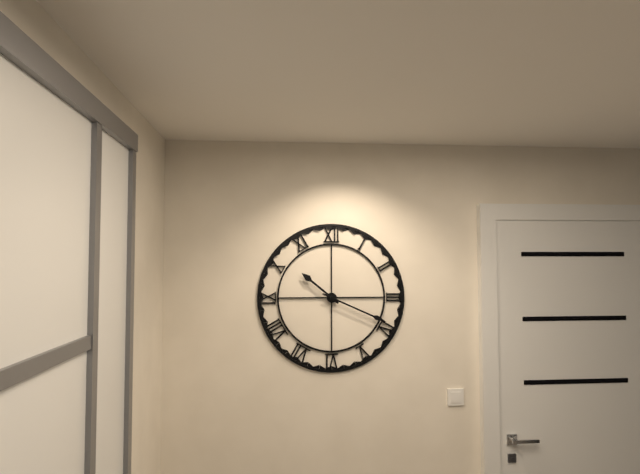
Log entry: 10:19
